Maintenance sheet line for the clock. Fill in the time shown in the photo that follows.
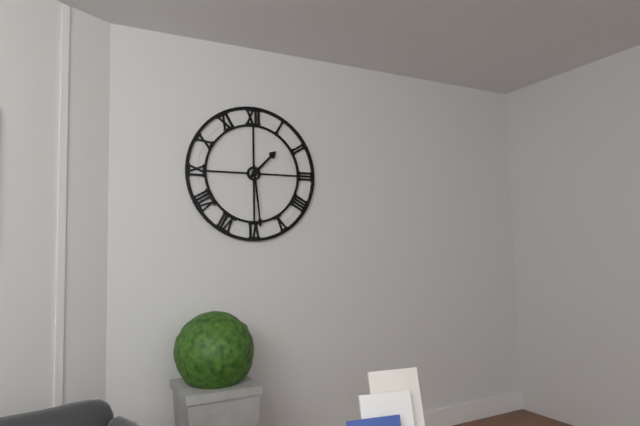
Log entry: 1:29
